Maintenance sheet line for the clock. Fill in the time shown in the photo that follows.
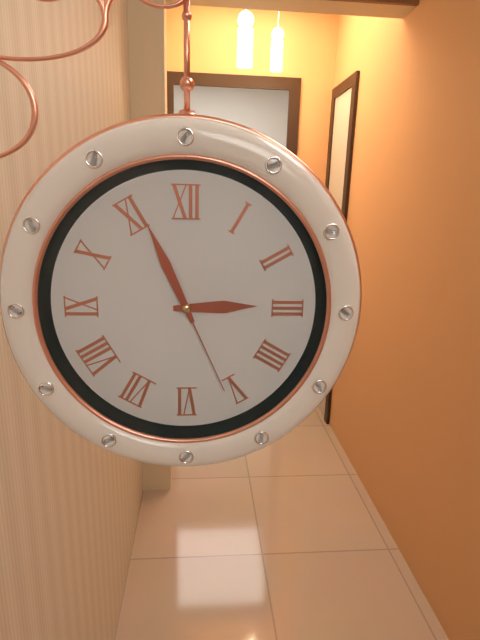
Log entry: 2:56:26
